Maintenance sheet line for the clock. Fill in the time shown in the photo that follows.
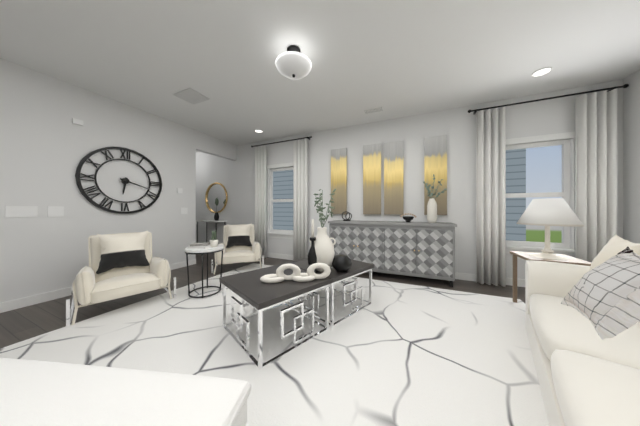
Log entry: 6:18
